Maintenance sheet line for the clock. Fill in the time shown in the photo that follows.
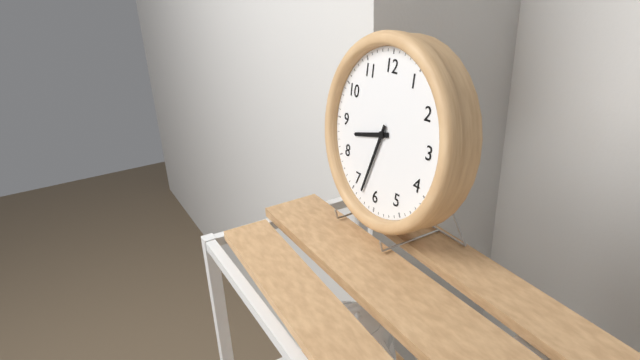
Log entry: 8:33
